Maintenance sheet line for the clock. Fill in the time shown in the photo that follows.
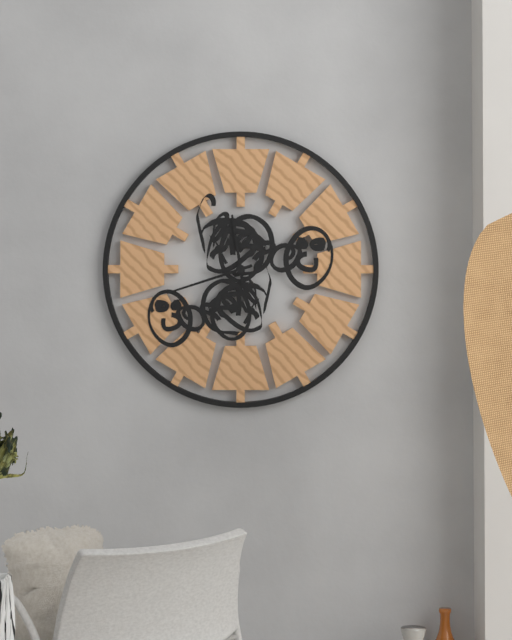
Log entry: 11:42
